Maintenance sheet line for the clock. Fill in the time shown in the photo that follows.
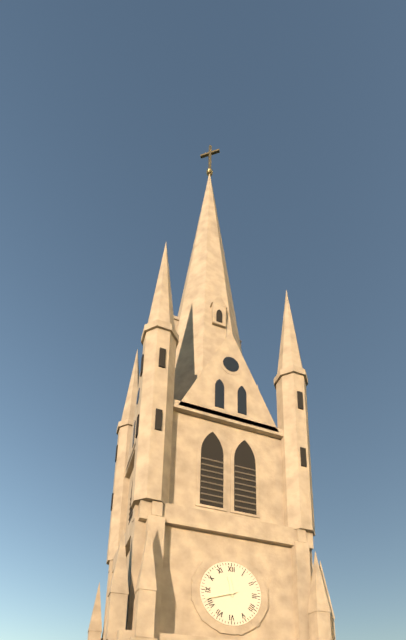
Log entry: 11:42
